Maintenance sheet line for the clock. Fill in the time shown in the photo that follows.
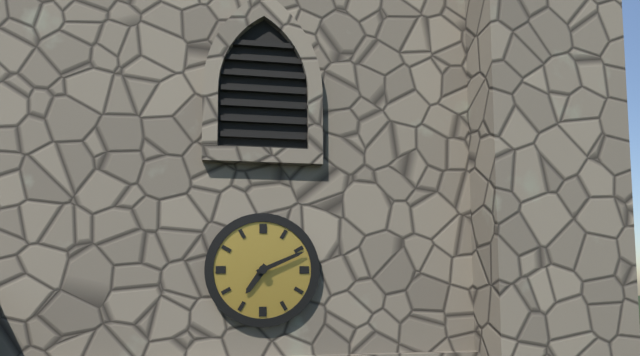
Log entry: 7:11
